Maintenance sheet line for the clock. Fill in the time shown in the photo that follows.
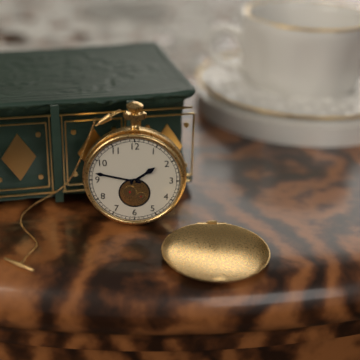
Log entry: 1:47
